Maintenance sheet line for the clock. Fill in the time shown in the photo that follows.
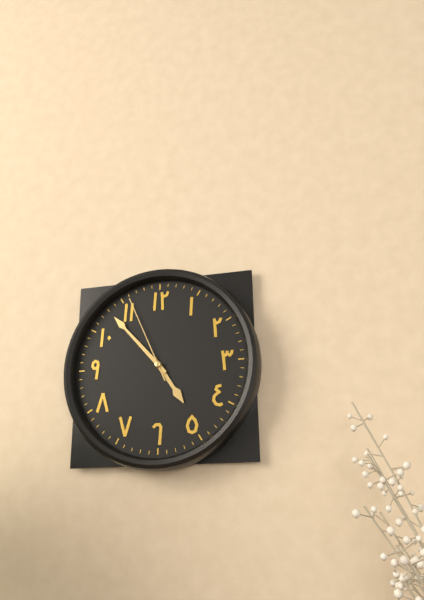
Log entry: 4:53:56
